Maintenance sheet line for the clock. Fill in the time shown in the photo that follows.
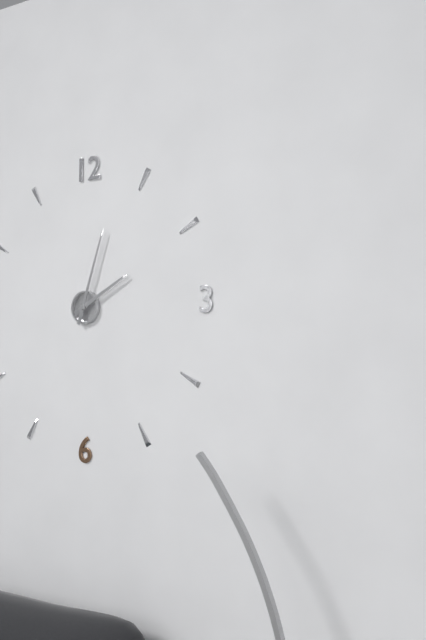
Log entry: 2:03
